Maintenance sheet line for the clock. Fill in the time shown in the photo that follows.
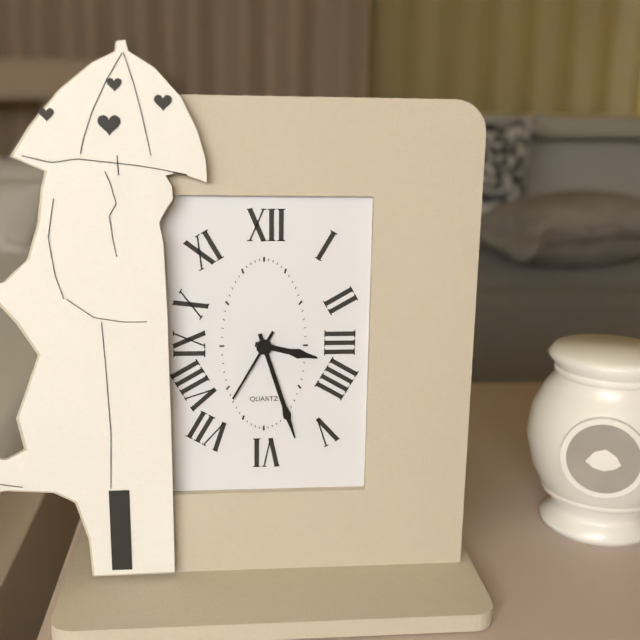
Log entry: 3:27:35
